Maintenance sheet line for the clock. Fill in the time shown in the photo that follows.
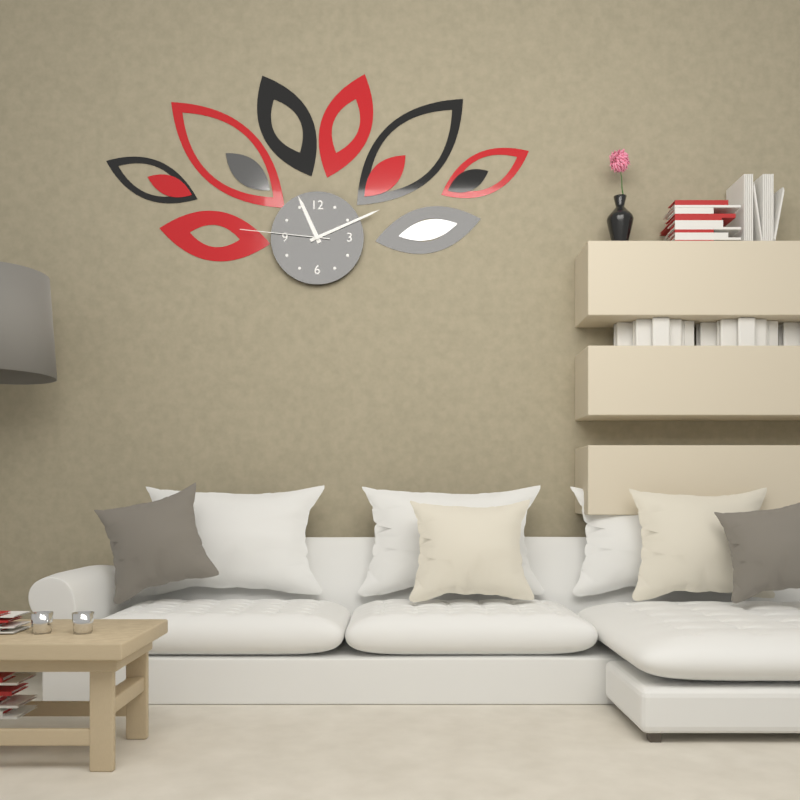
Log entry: 11:11:46
